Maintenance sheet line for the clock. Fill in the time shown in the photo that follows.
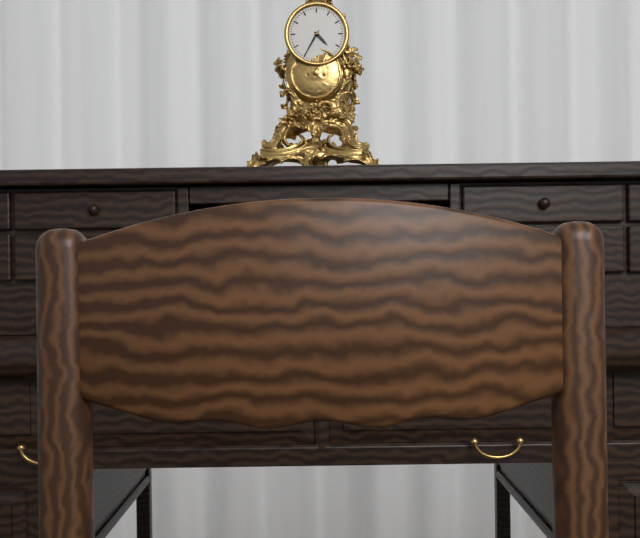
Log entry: 4:35
